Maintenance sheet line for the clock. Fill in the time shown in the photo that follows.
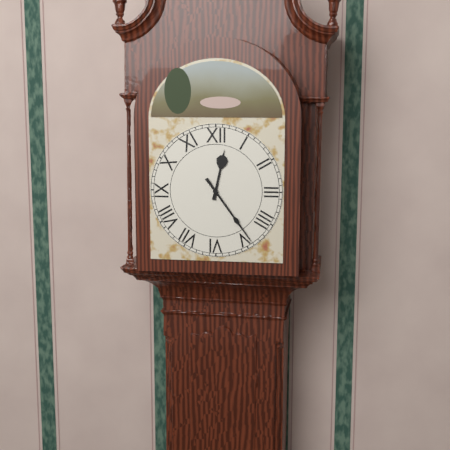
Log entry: 12:24
